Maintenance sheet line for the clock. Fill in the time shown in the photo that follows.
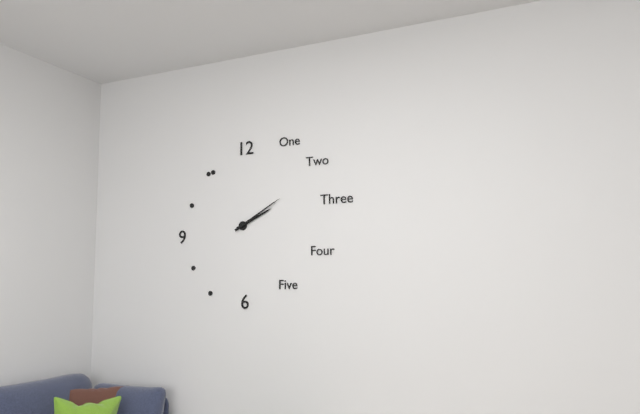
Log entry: 2:10
